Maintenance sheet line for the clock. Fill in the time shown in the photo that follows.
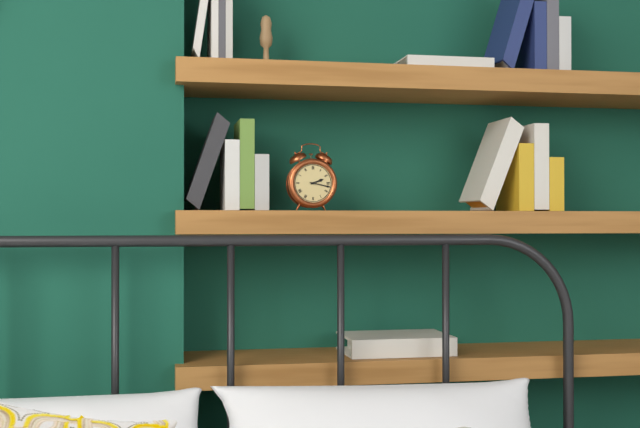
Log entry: 2:17
